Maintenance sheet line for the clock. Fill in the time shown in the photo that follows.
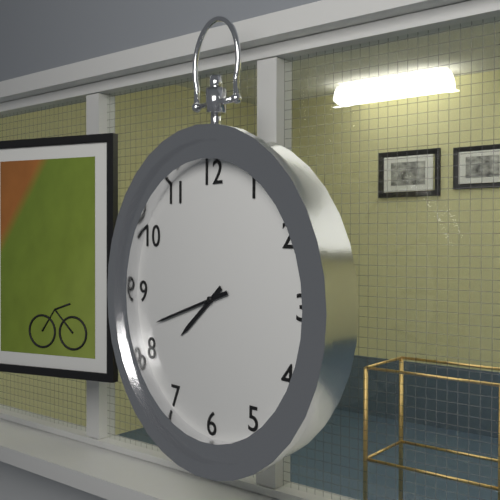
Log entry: 7:42
